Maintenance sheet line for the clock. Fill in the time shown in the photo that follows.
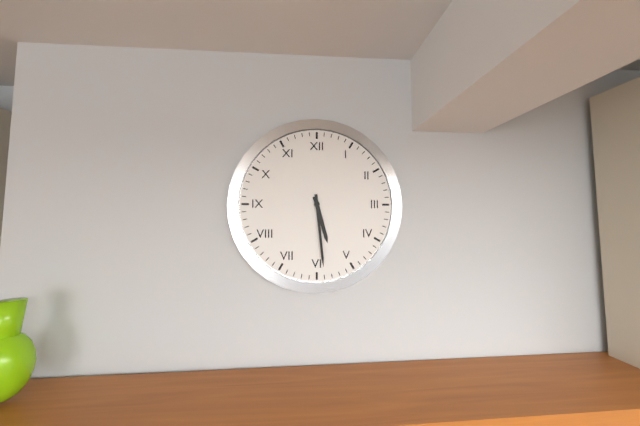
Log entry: 5:29
